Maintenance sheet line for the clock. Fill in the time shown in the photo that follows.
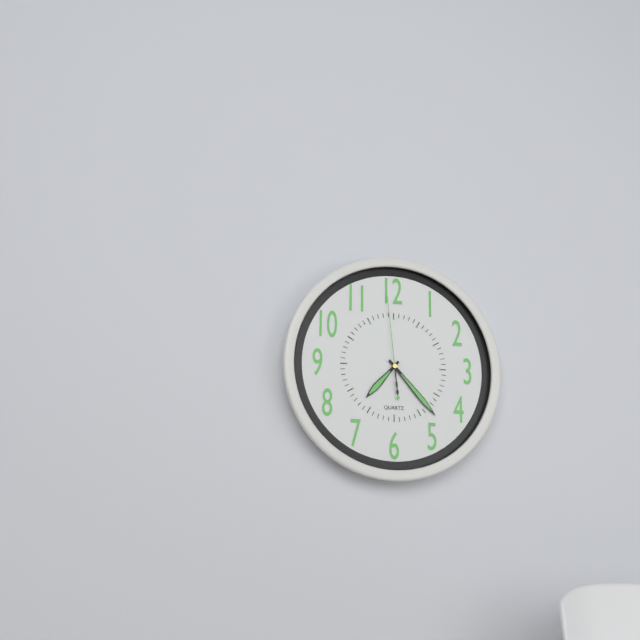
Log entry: 7:23:59
